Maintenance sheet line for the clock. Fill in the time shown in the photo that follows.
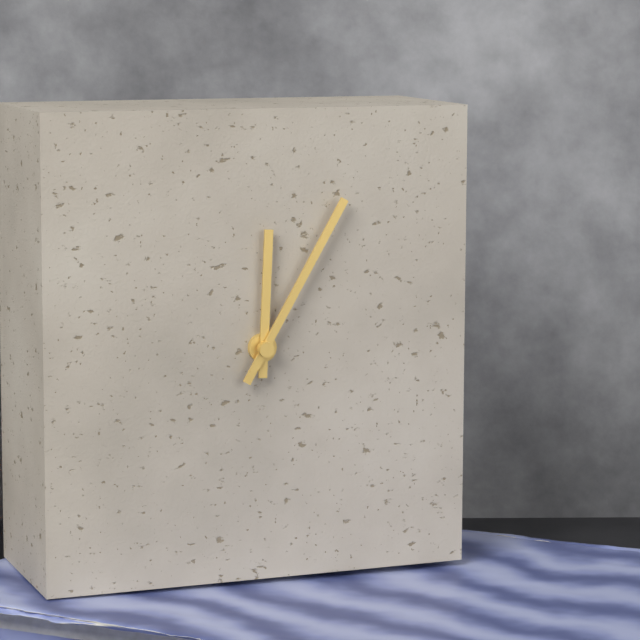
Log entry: 12:05
